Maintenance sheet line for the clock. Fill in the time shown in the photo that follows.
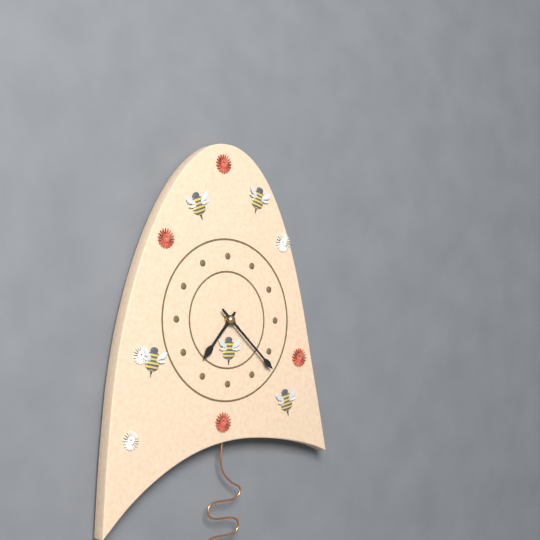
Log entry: 7:22
